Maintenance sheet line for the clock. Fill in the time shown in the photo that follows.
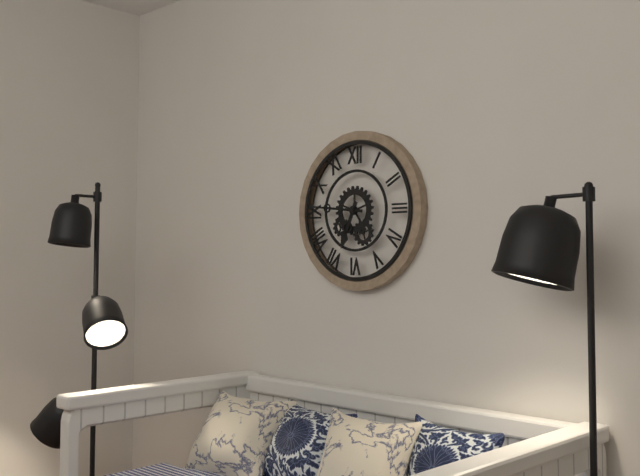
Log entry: 6:46
